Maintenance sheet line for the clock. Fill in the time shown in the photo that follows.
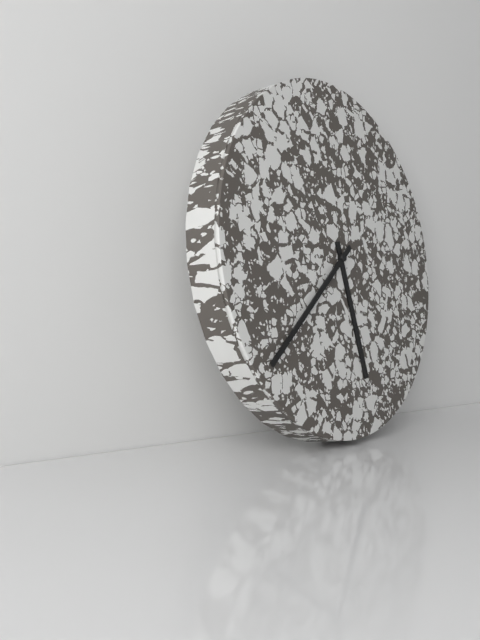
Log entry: 5:39
